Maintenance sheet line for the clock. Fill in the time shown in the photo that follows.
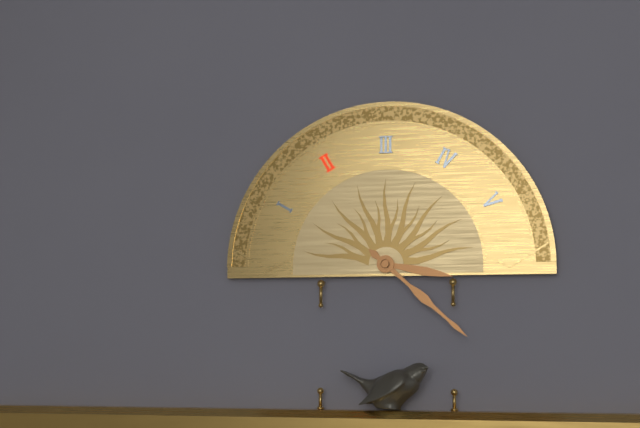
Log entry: 3:22
